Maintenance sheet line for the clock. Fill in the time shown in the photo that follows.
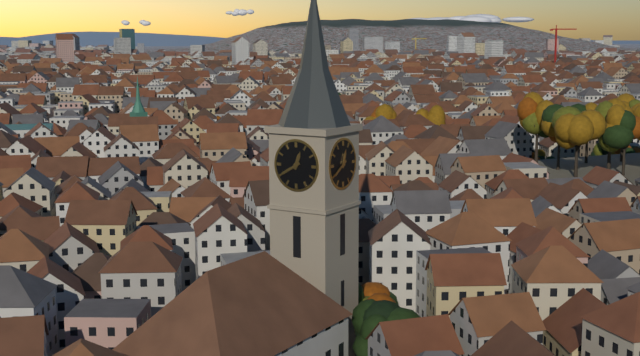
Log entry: 12:40
